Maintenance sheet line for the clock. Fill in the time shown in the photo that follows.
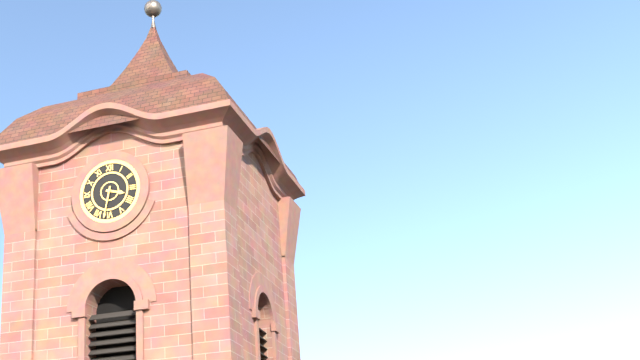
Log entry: 3:32
